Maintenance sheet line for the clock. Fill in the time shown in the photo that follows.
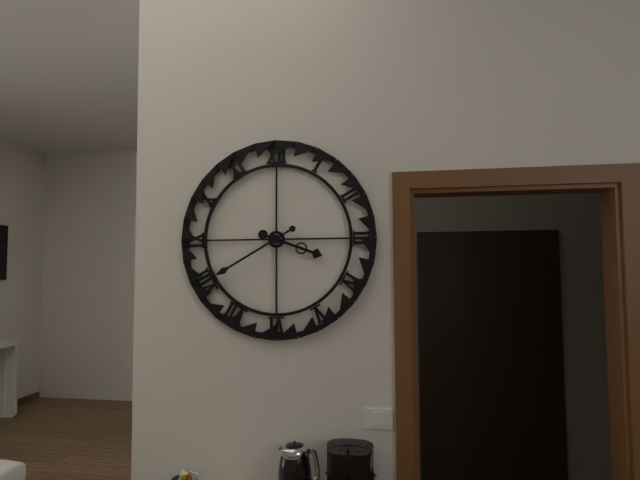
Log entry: 3:40
